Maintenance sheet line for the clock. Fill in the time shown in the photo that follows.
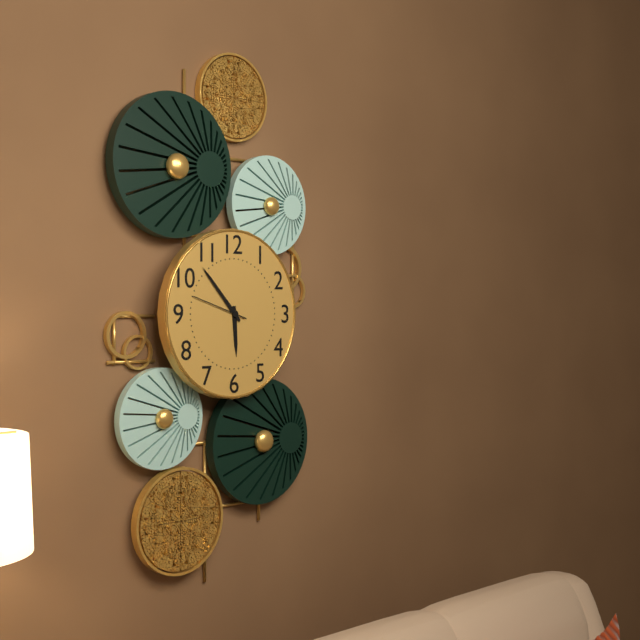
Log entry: 5:53:48
